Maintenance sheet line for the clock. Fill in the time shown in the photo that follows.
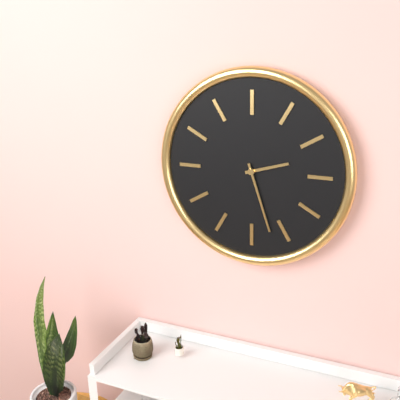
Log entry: 2:27
